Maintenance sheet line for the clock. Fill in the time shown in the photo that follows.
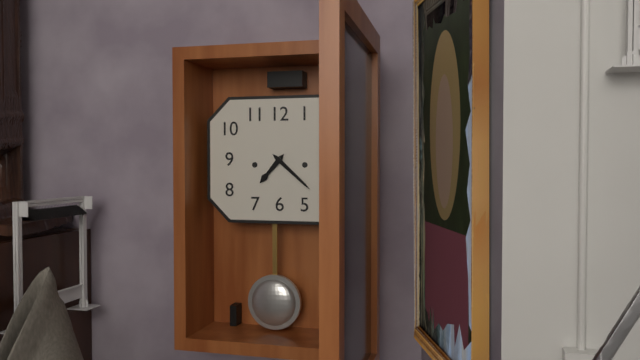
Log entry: 7:22
